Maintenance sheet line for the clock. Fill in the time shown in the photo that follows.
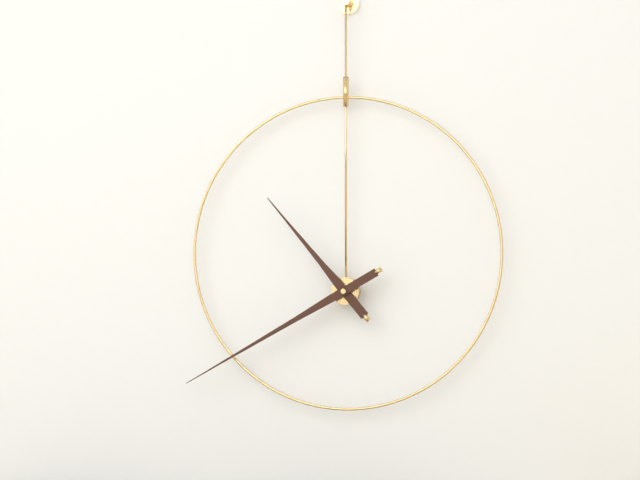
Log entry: 10:40
